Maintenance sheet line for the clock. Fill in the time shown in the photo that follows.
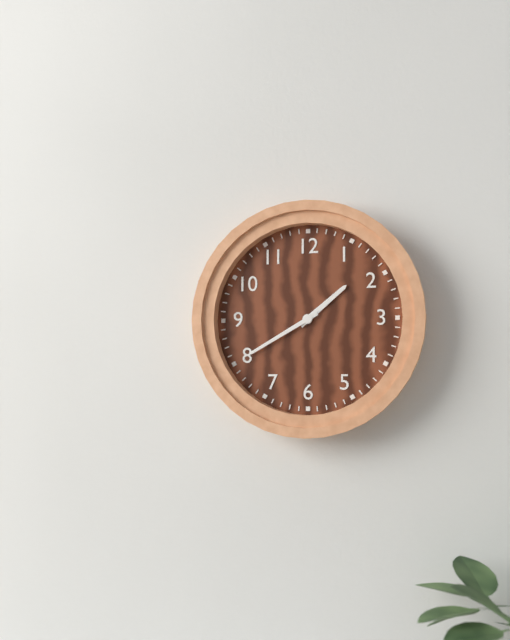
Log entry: 1:40
